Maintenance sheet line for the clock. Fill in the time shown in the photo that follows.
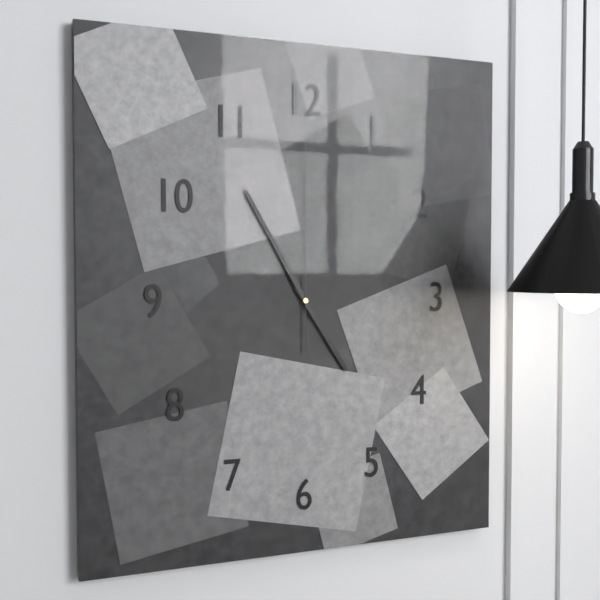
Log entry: 4:55:00
